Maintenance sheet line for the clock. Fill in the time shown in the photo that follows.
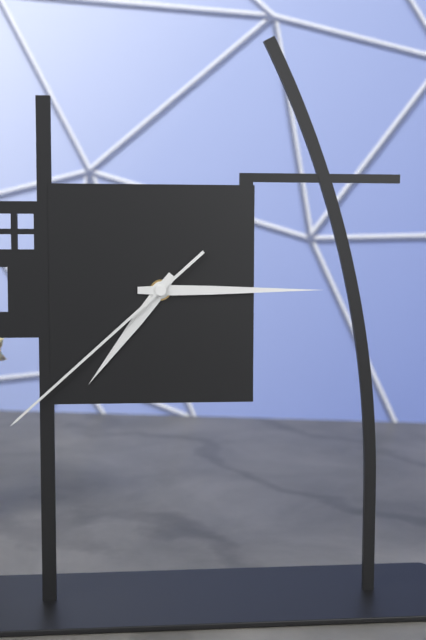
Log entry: 7:15:38
